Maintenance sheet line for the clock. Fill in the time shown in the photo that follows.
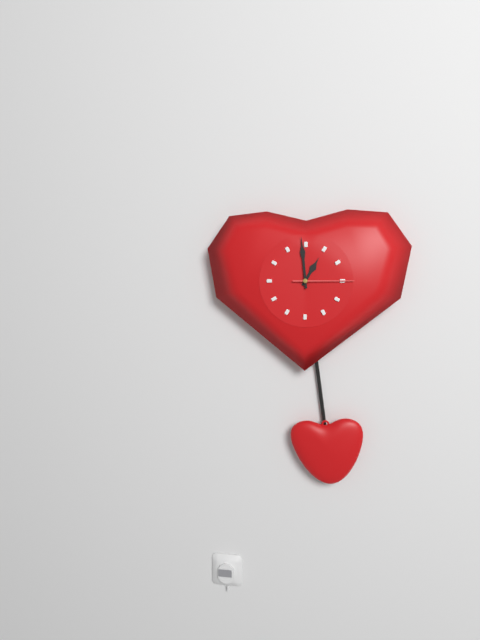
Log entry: 12:59:15
